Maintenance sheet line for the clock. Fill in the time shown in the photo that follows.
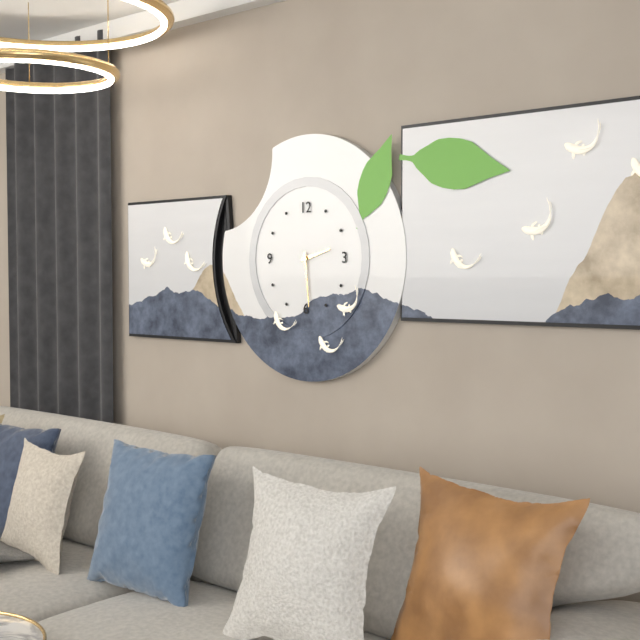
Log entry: 2:29
